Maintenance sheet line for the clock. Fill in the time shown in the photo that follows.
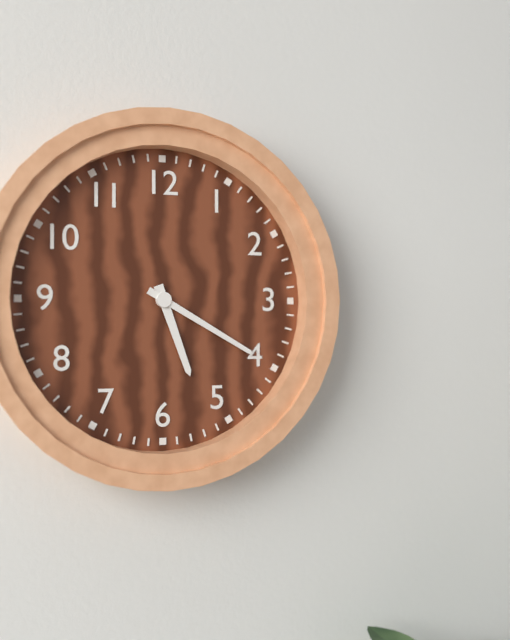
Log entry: 5:20
